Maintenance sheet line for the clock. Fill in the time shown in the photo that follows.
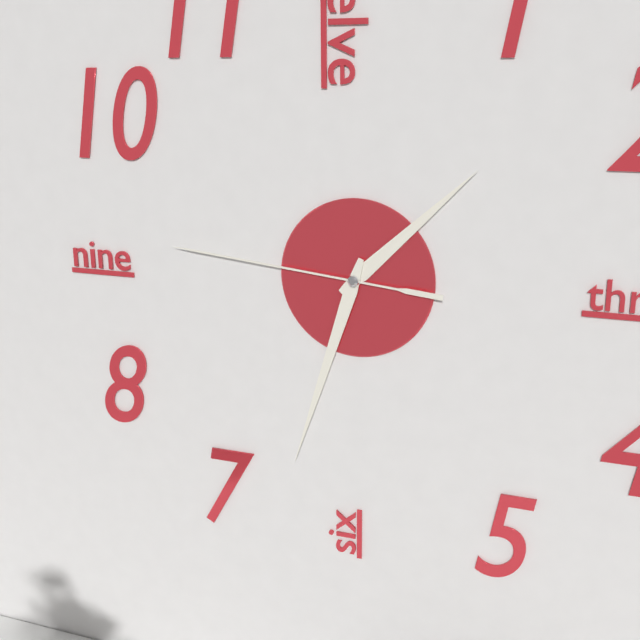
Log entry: 1:33:46
